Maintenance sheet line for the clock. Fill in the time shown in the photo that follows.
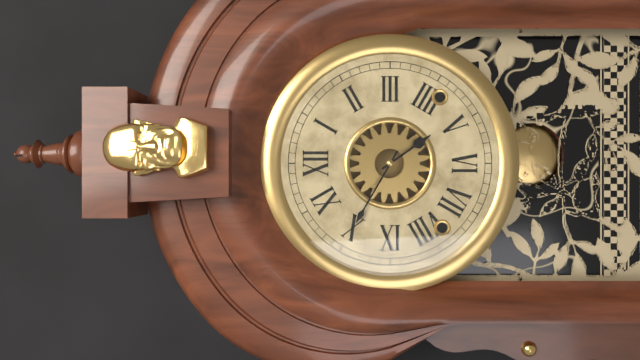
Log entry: 4:50
